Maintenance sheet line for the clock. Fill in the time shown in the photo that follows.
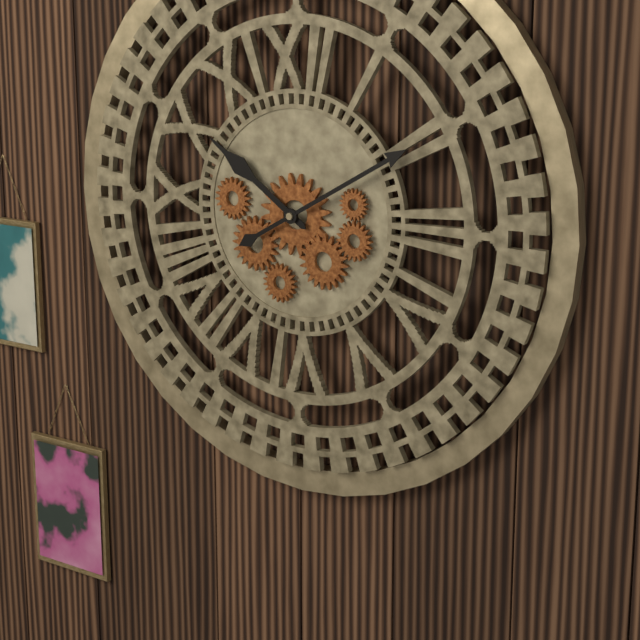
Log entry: 10:10
